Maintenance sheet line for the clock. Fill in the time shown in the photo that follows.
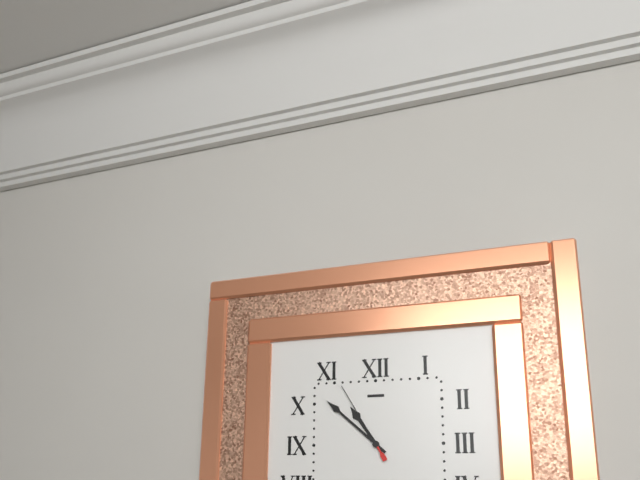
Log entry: 10:52:55
